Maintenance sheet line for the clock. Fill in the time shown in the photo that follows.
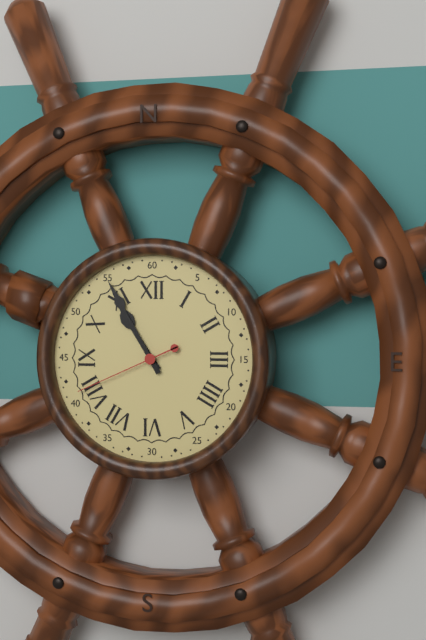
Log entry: 10:55:41
